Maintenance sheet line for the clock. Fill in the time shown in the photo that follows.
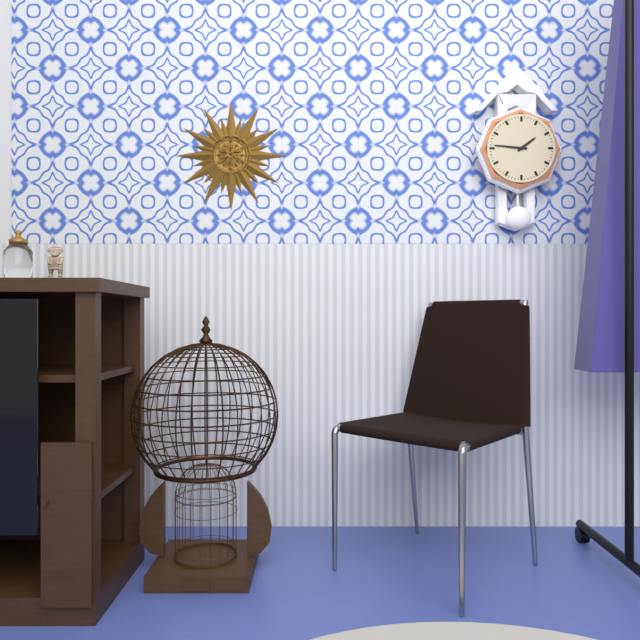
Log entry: 1:46
